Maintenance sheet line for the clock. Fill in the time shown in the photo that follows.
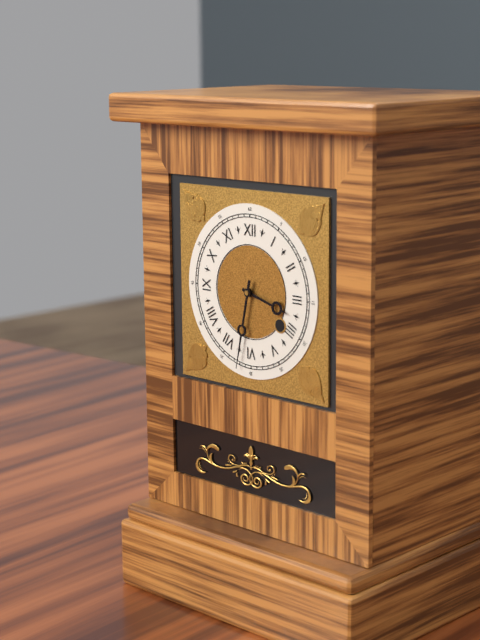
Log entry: 3:32
